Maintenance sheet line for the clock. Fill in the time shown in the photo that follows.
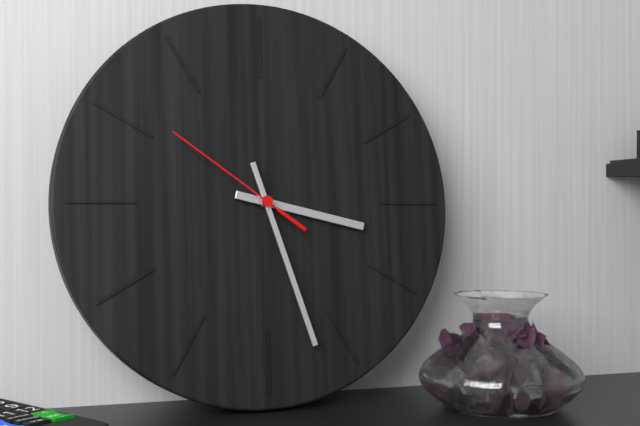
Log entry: 3:27:51
